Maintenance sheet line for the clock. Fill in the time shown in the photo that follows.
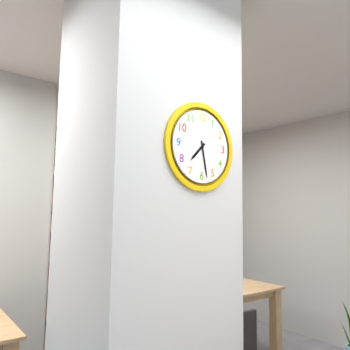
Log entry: 7:28
